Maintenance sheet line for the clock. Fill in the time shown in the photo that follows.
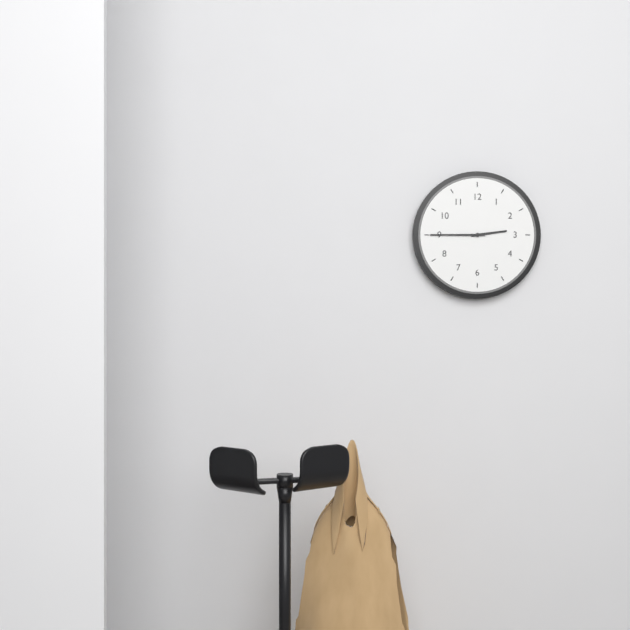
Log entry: 2:45
